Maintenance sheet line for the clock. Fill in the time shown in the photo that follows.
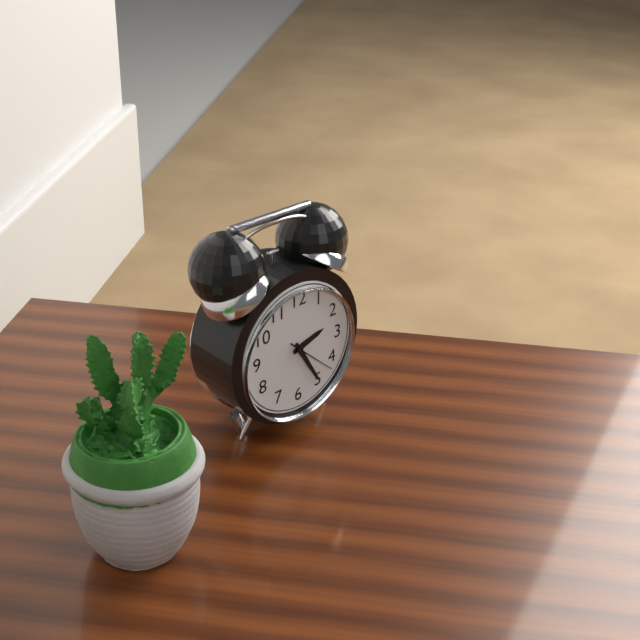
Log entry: 2:25
